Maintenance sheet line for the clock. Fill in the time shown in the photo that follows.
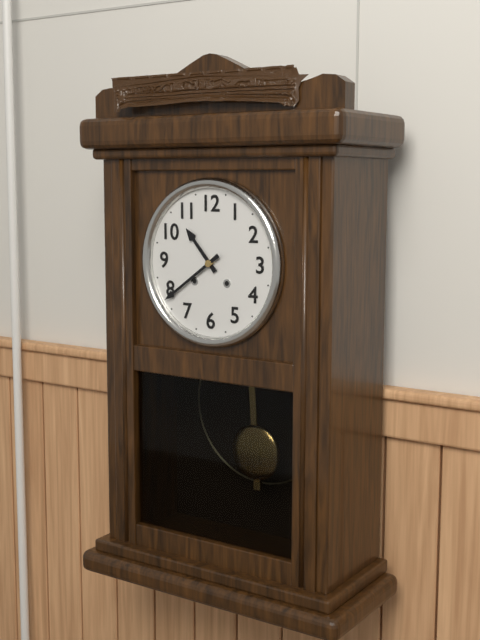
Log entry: 10:39
